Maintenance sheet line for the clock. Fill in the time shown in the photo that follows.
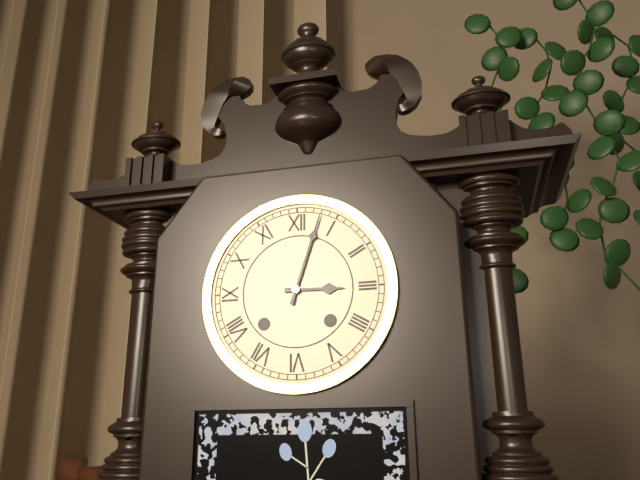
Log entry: 3:03
